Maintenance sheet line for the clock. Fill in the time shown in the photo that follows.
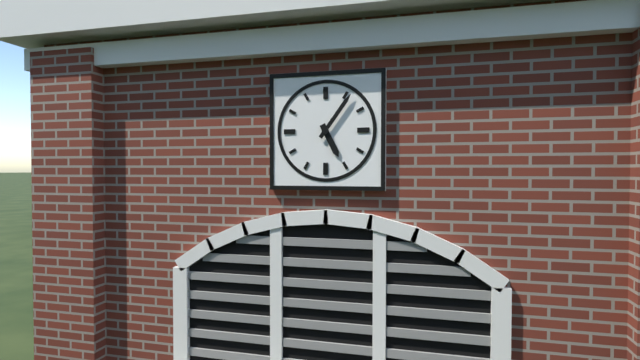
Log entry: 5:06
